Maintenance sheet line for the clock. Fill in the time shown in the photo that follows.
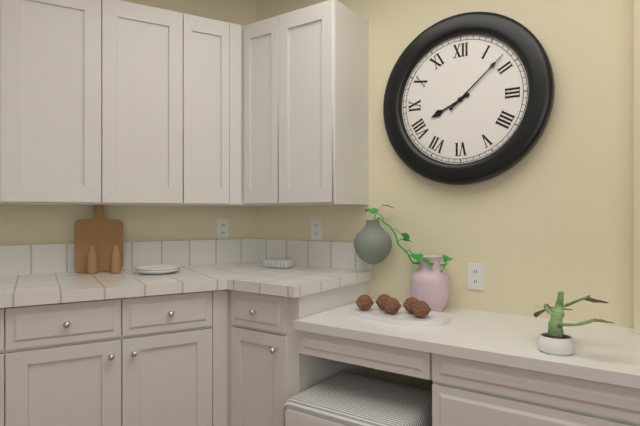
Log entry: 8:08
